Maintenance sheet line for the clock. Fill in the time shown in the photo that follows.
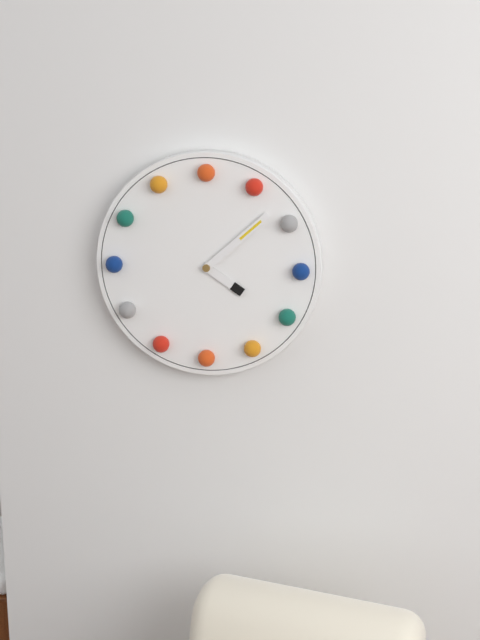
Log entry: 4:08
